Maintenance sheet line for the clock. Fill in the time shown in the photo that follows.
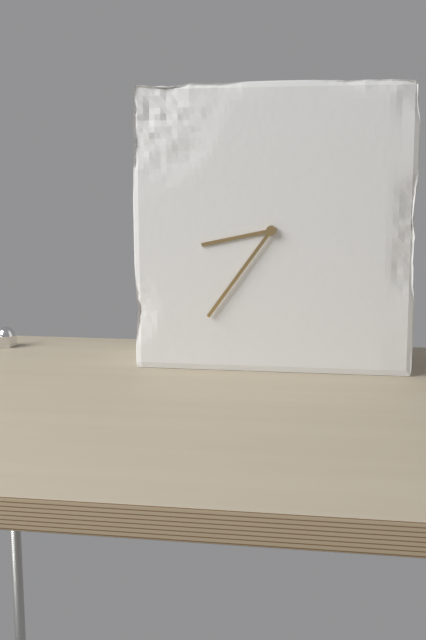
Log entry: 8:36
